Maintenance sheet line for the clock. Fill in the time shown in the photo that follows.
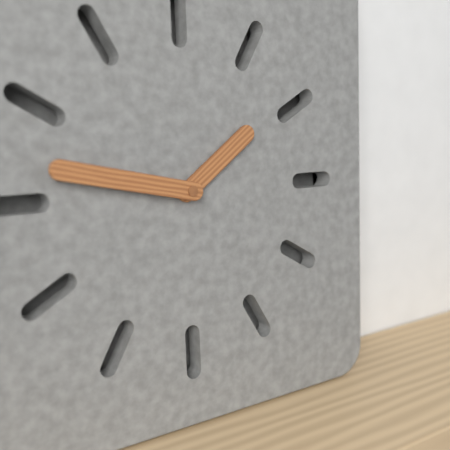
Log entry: 1:47
